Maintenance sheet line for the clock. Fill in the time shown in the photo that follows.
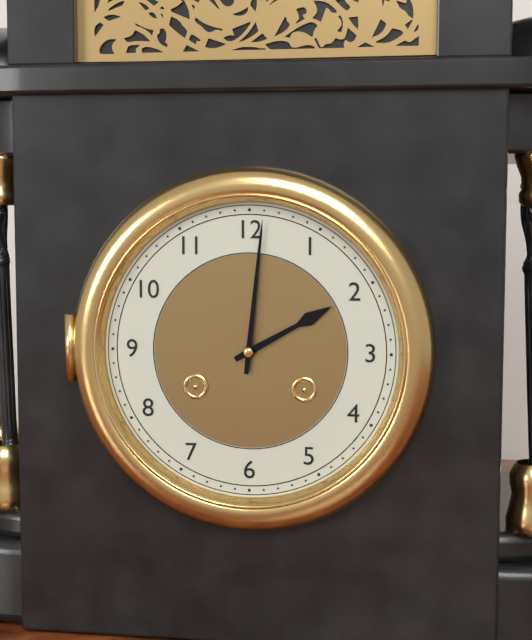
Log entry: 2:01
